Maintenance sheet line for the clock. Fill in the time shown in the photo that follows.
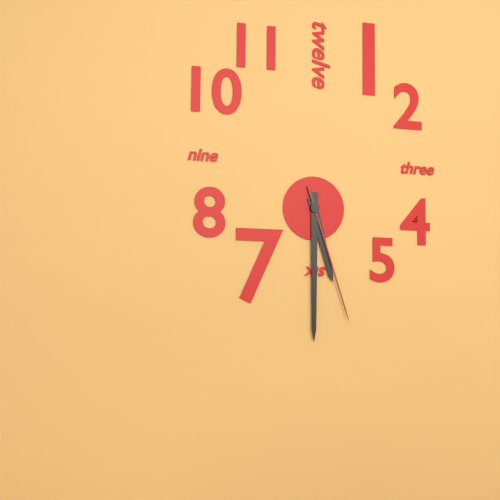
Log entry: 5:30:27
